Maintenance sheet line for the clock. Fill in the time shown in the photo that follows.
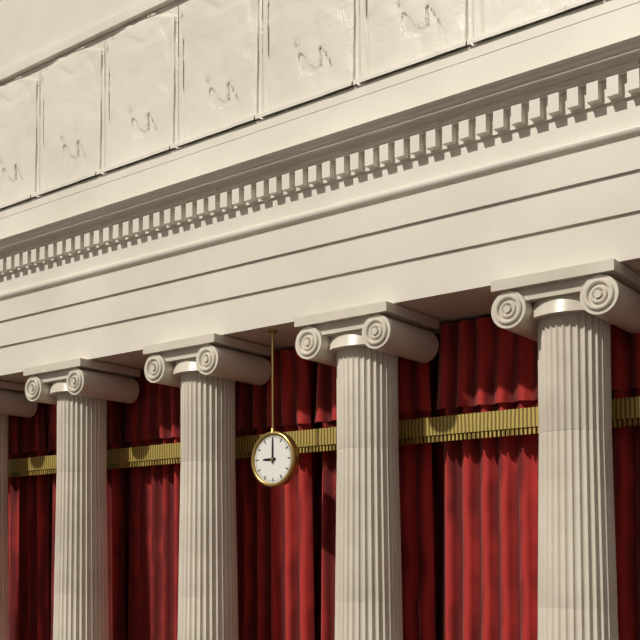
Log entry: 9:00
